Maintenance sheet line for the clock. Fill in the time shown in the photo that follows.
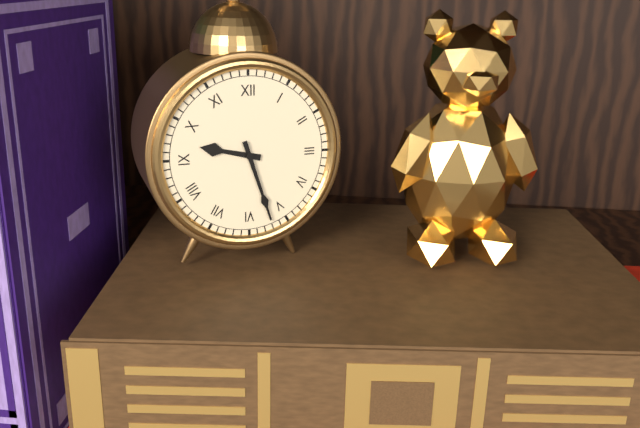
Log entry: 9:27
